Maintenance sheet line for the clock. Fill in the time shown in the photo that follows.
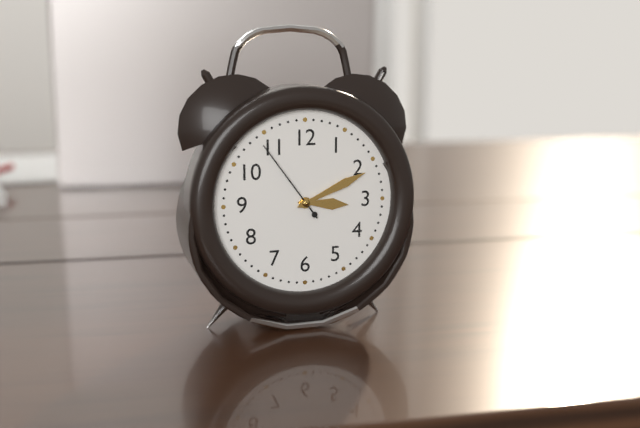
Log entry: 3:11:54
